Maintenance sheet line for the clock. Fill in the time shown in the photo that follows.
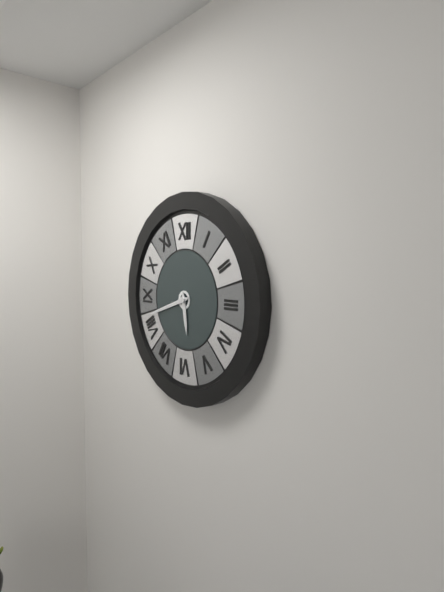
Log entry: 5:42
